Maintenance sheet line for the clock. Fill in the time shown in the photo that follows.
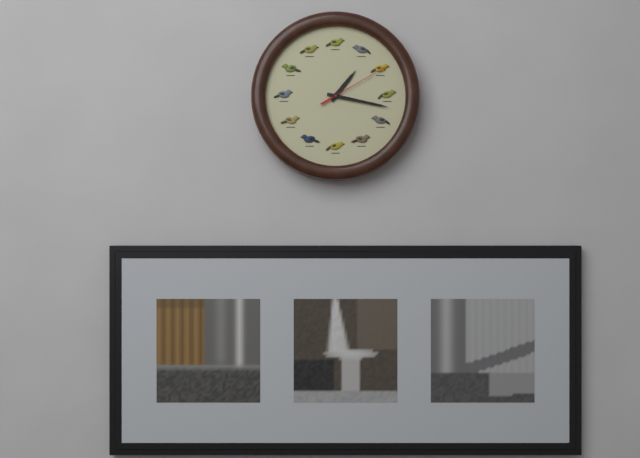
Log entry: 1:17:10
